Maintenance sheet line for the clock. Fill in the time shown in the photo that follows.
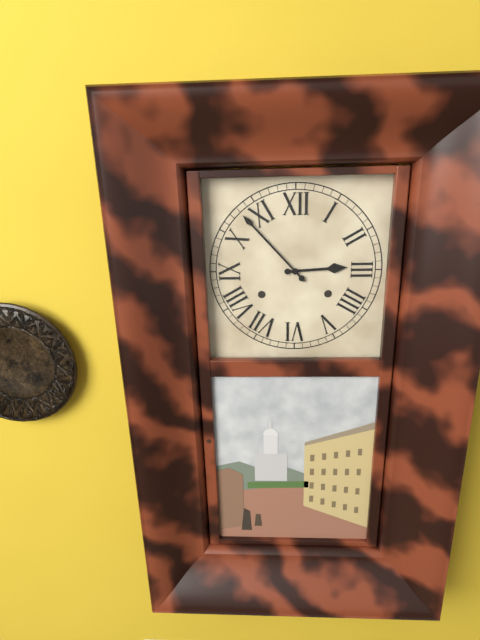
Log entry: 2:53
